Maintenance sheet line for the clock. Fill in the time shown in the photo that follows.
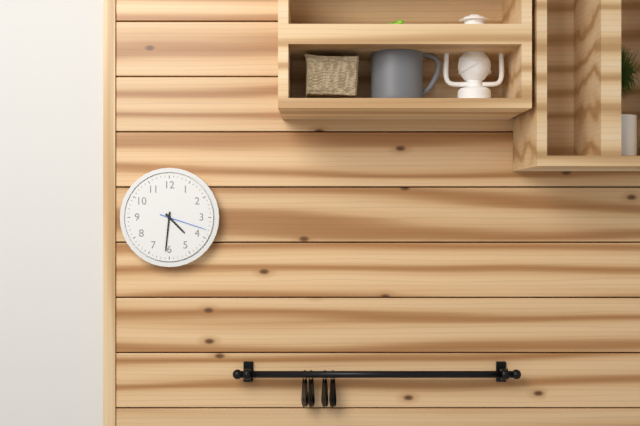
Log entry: 4:31:18
